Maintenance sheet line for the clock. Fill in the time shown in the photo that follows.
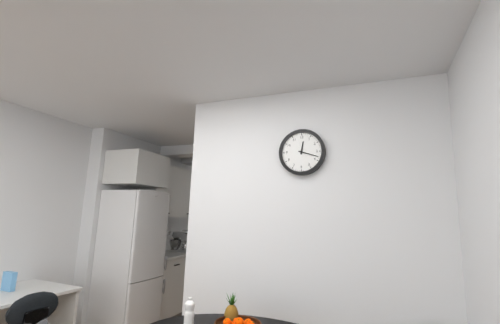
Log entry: 12:18
